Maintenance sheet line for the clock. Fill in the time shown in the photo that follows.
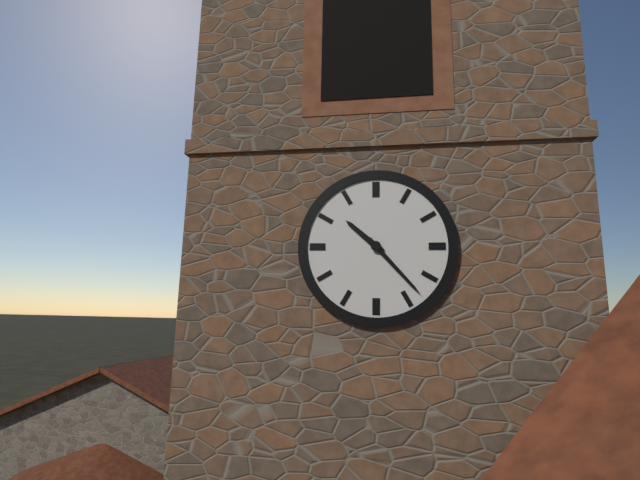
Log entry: 10:23
